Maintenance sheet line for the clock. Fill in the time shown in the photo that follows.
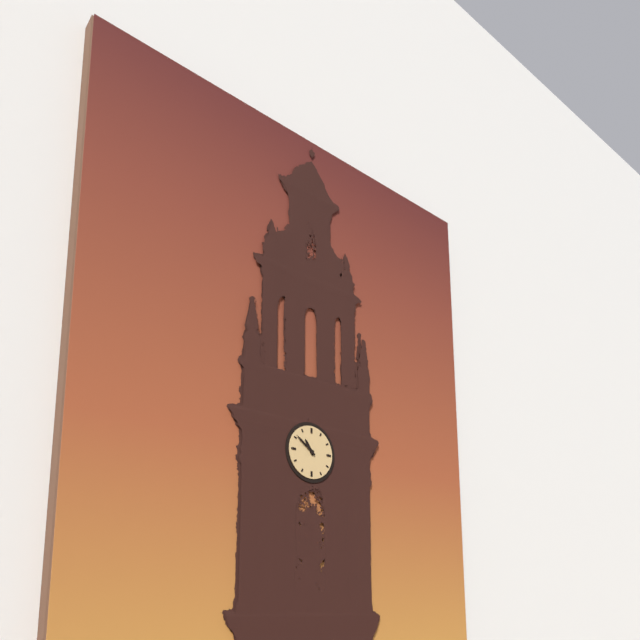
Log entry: 10:51
